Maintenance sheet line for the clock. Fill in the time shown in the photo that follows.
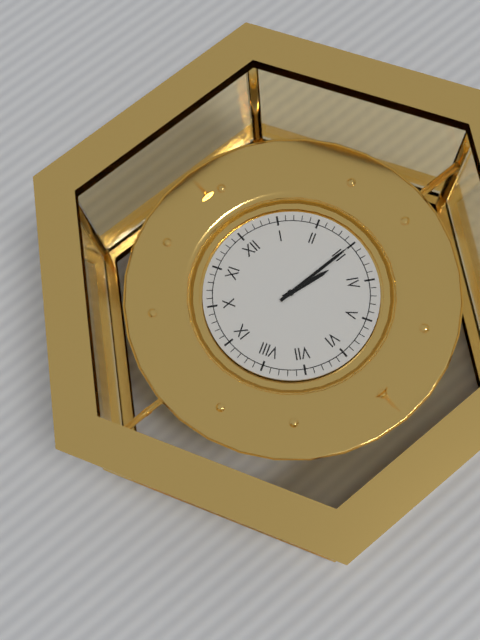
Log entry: 3:15
